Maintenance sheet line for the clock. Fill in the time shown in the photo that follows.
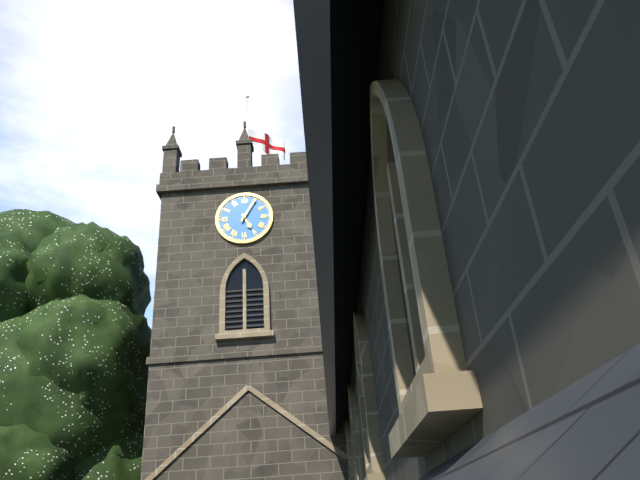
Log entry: 5:05
